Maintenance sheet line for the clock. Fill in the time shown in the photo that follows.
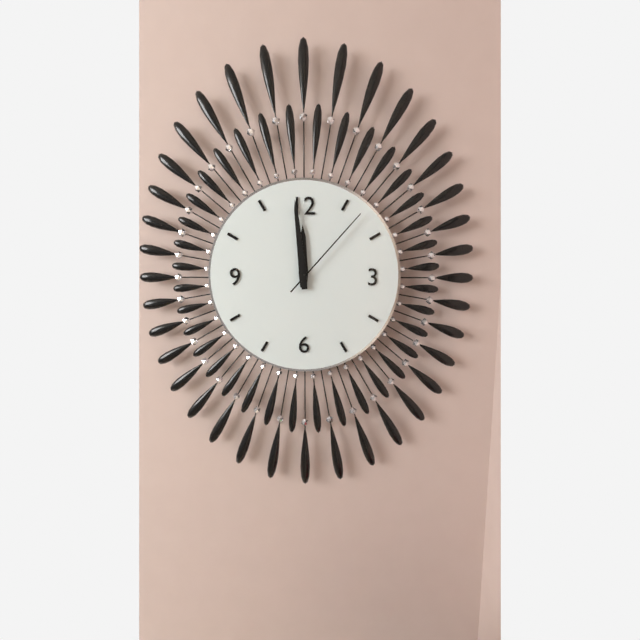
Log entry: 11:59:07
